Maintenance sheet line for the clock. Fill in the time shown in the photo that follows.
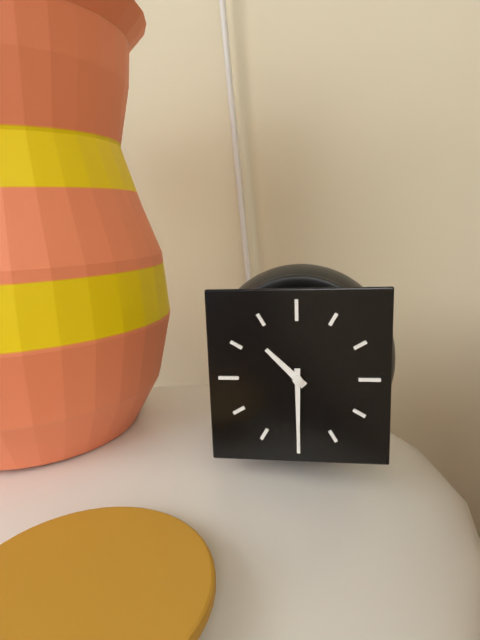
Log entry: 10:30
